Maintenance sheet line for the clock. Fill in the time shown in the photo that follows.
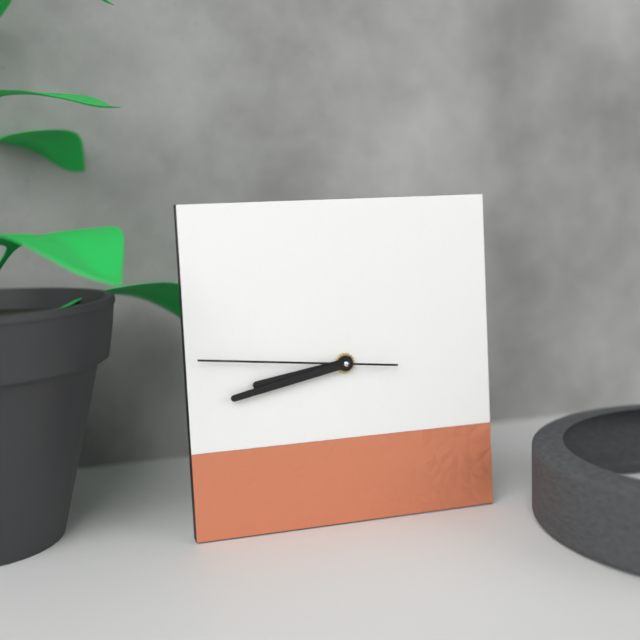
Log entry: 8:43:46
